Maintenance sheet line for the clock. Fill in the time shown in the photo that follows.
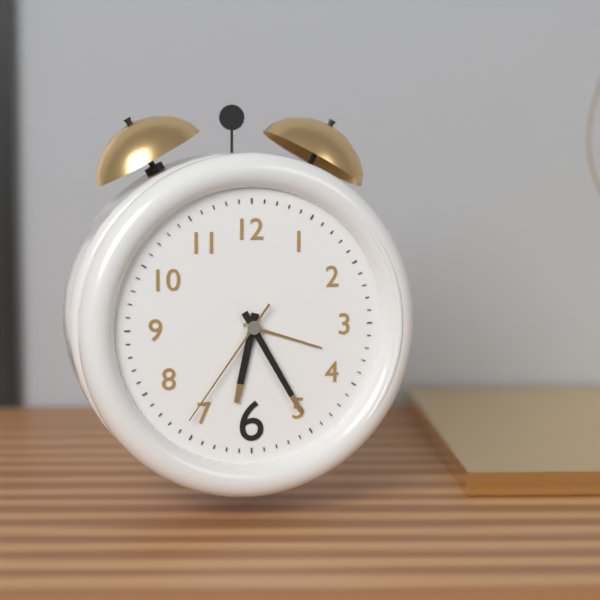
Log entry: 6:25:36
